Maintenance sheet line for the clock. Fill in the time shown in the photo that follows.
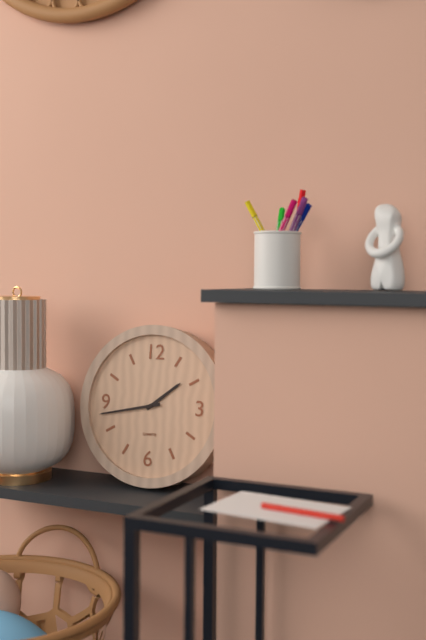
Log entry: 1:43
